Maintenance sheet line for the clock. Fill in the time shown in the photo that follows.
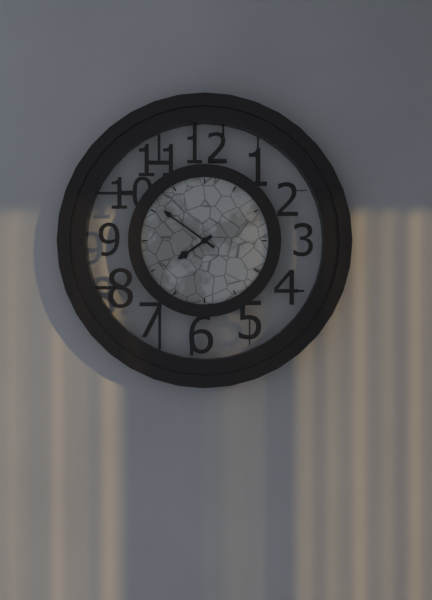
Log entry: 7:51
